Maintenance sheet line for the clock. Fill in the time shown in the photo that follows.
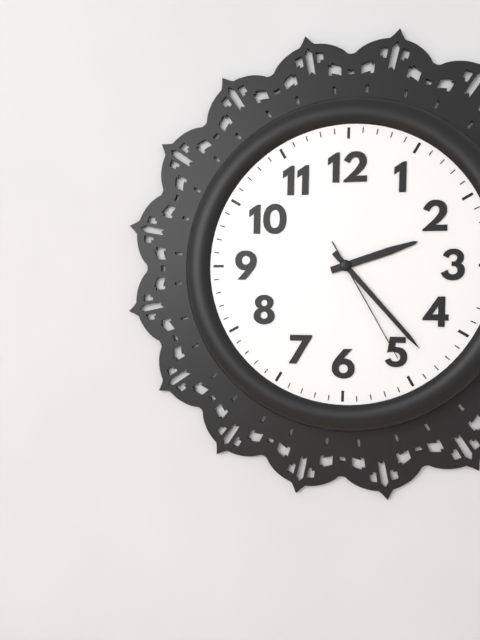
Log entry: 2:23:25
